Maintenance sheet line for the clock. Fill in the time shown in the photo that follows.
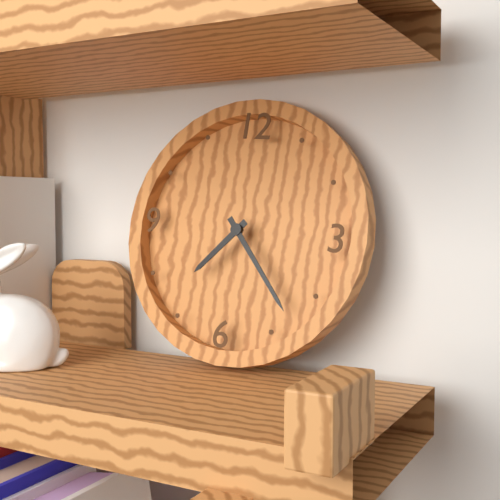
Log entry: 7:23
